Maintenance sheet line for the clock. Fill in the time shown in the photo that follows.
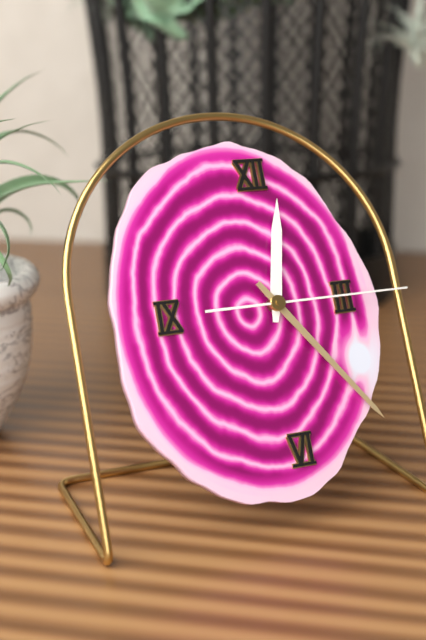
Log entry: 12:24:15
